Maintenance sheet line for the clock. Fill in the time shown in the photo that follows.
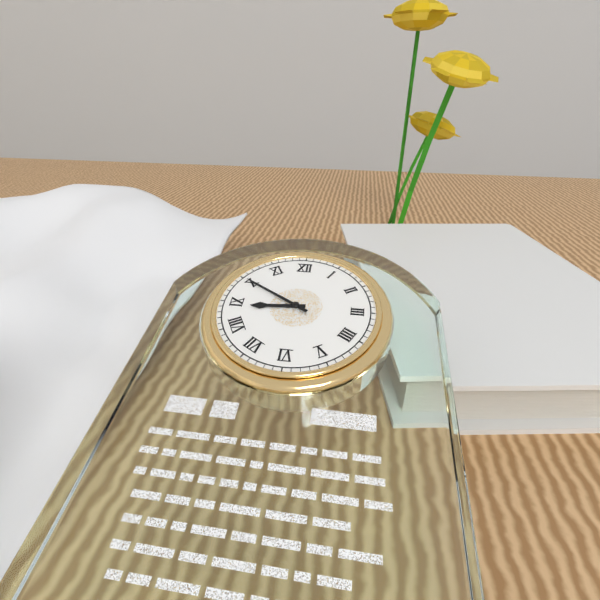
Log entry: 8:50
